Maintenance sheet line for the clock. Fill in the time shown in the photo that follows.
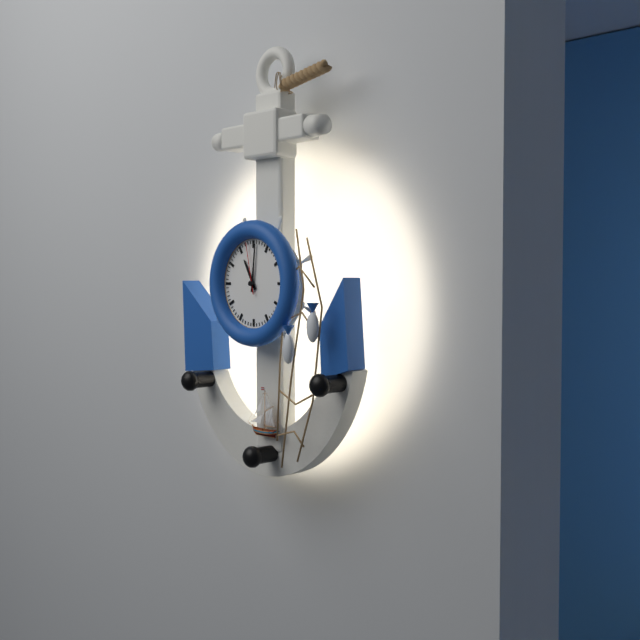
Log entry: 11:01:58
